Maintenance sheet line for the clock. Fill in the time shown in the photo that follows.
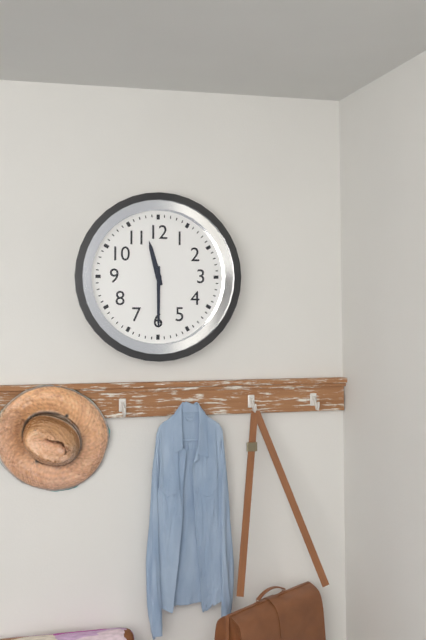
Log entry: 11:30
